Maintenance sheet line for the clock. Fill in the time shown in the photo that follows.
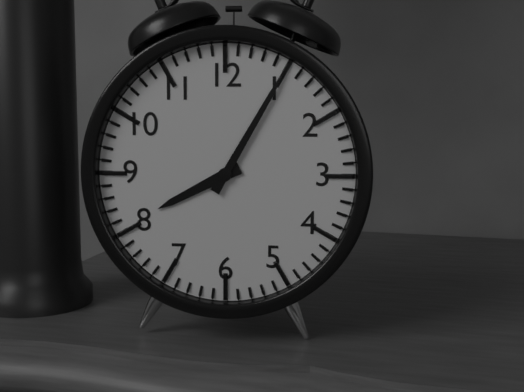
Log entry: 8:05
